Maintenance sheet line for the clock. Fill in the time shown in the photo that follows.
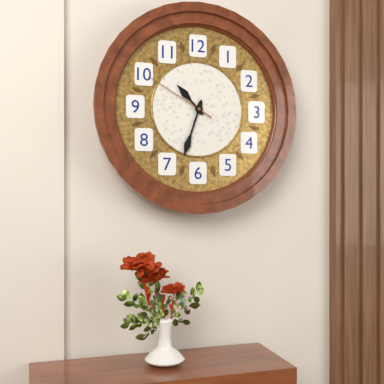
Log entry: 10:33:50
